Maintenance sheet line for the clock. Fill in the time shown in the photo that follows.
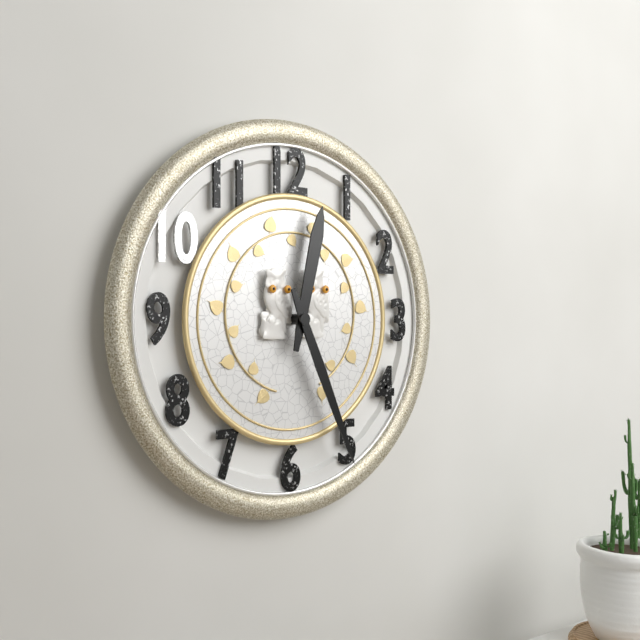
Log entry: 12:26
